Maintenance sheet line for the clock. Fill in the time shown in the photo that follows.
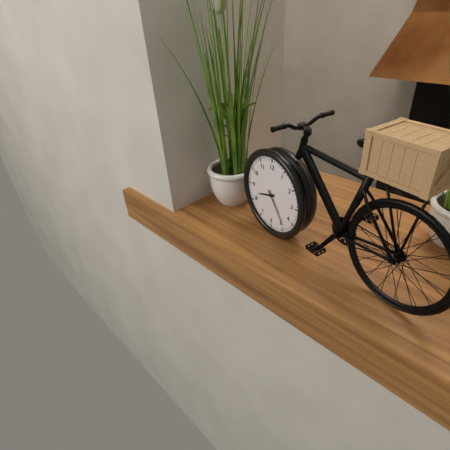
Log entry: 8:24
